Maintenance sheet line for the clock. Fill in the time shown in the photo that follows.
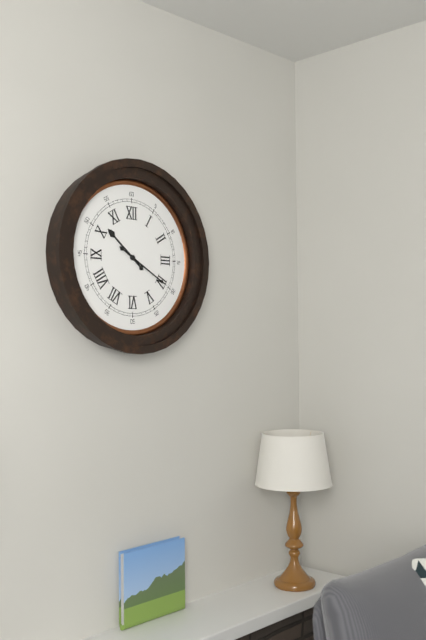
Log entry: 10:20
